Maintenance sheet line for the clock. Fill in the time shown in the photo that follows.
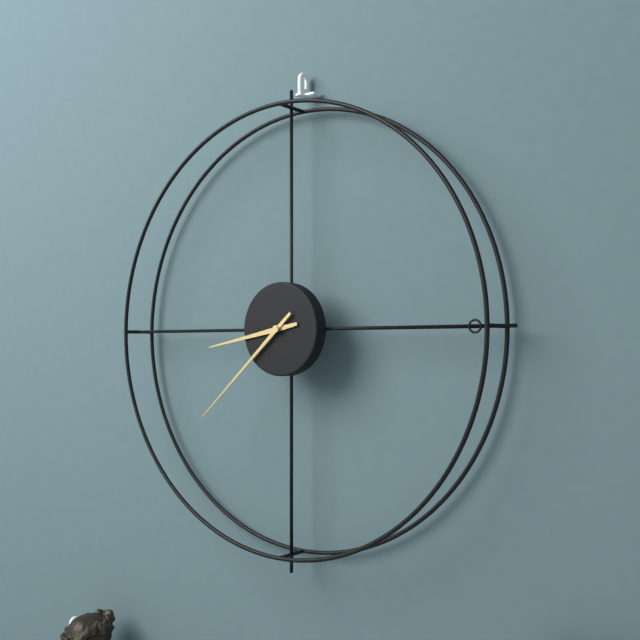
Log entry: 8:38
